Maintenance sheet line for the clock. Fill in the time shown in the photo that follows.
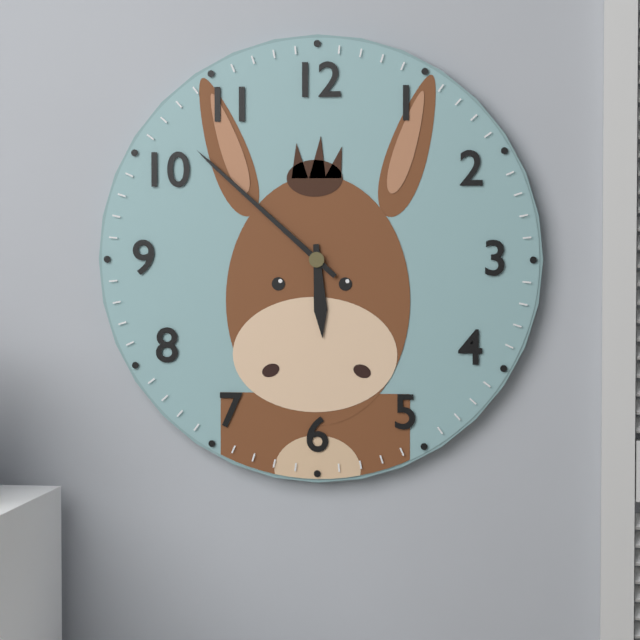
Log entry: 5:52
